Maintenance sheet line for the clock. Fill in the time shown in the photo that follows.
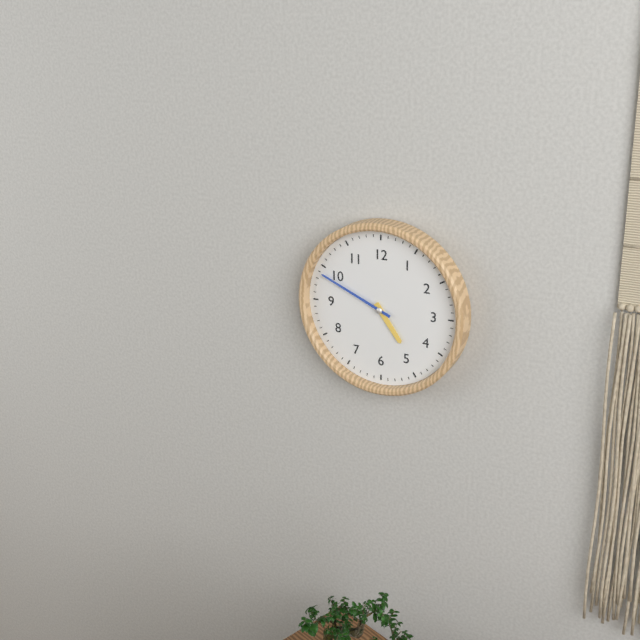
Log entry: 4:49
